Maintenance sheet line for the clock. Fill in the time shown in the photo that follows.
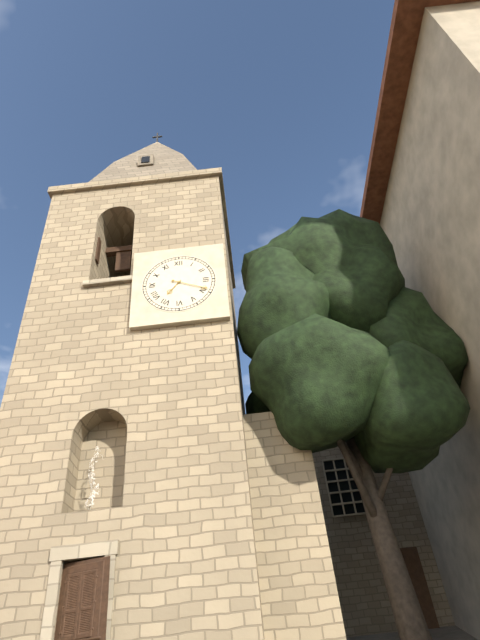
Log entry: 7:19
